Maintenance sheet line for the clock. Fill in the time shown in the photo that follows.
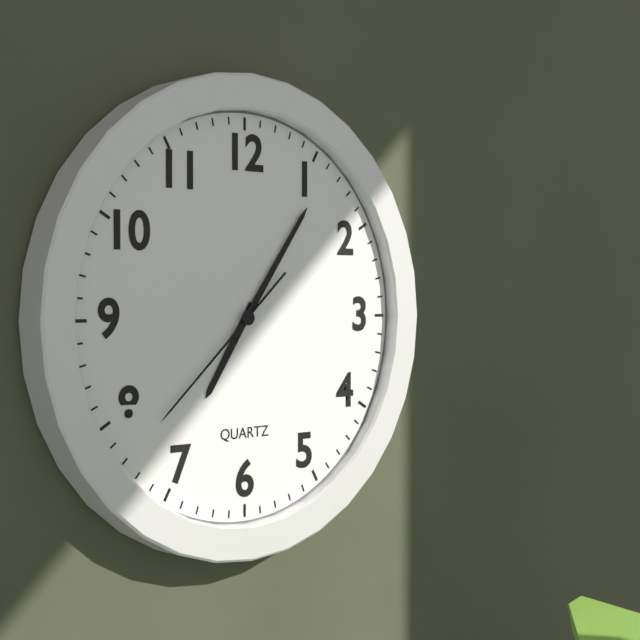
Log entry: 7:06:38
